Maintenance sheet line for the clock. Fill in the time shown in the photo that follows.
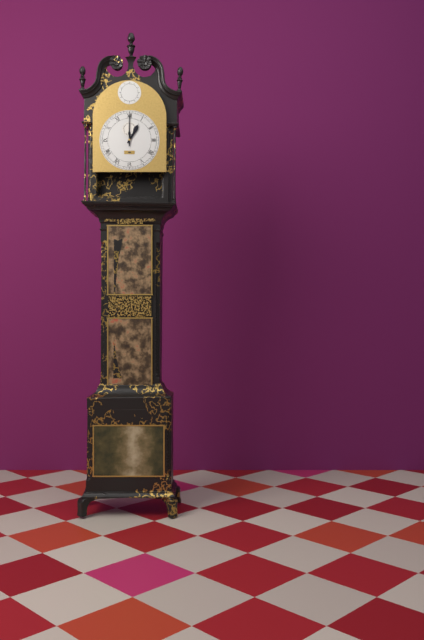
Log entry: 1:00
